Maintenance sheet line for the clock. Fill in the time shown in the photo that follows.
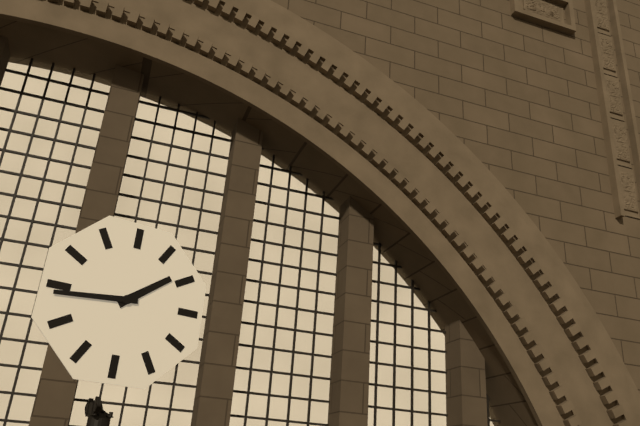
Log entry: 1:44
